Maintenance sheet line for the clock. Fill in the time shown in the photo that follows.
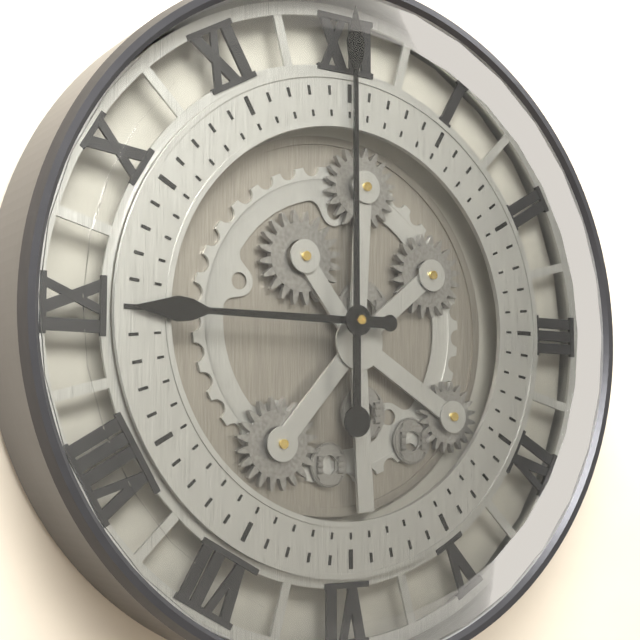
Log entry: 9:00
